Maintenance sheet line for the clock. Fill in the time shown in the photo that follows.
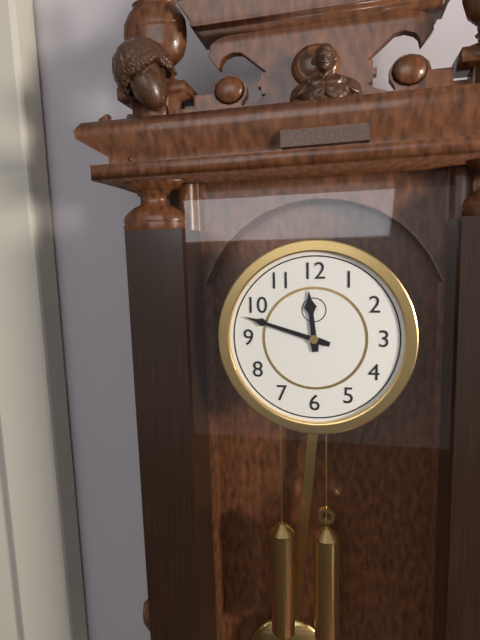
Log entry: 11:48
